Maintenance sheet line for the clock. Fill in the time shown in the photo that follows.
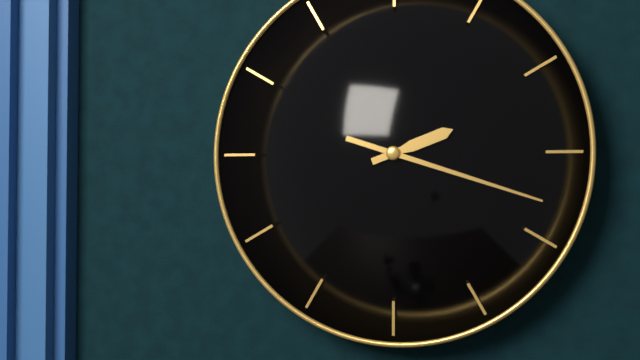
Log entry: 2:18
